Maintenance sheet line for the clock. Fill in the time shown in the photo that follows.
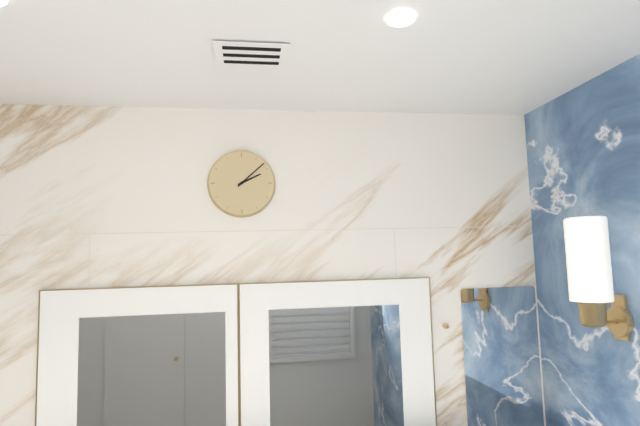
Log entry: 2:08
